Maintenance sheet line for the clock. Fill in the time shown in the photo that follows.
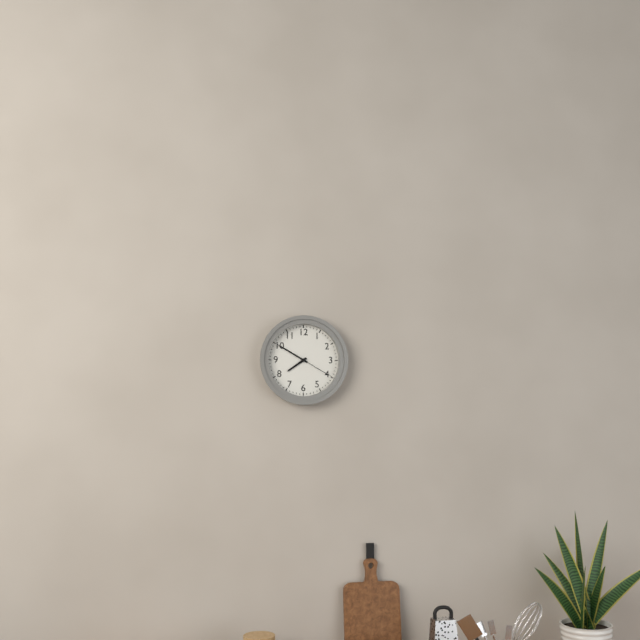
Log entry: 7:50
